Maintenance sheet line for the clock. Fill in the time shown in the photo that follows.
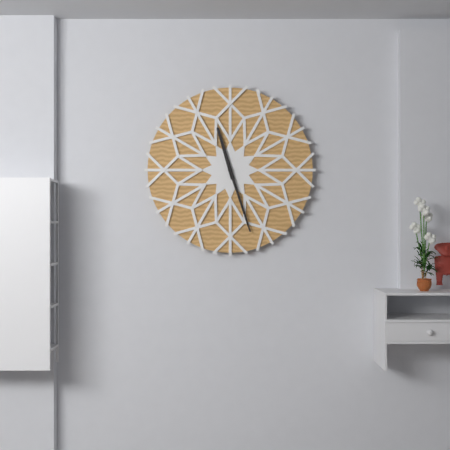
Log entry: 11:27
